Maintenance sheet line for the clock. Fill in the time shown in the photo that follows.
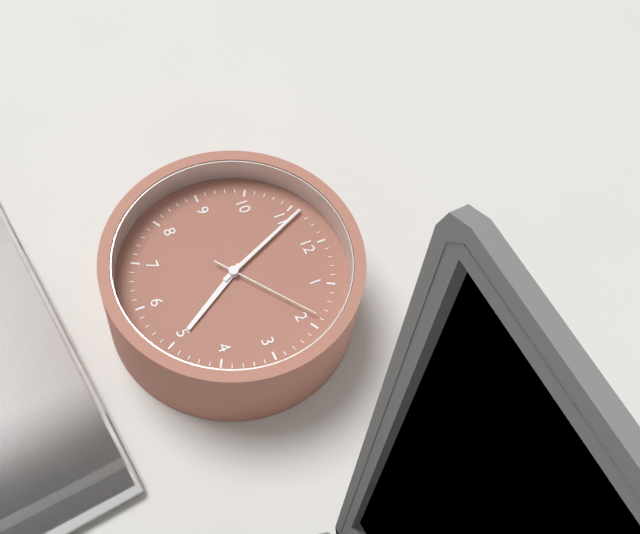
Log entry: 4:56:09
